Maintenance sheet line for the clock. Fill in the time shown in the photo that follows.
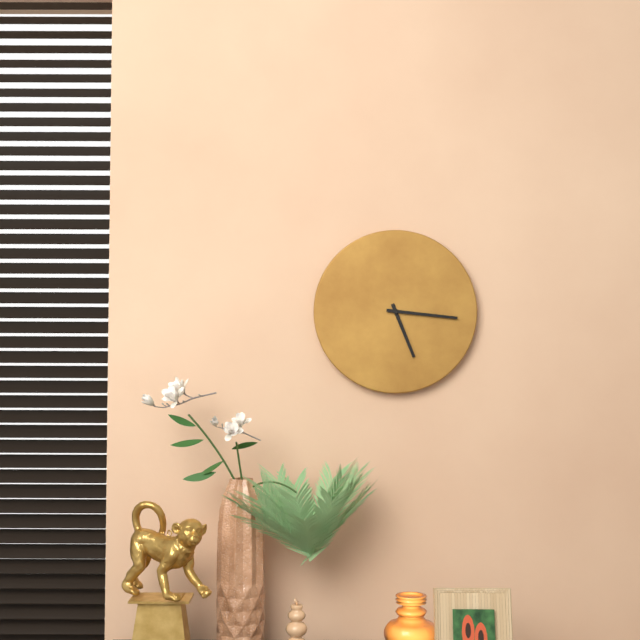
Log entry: 5:16
